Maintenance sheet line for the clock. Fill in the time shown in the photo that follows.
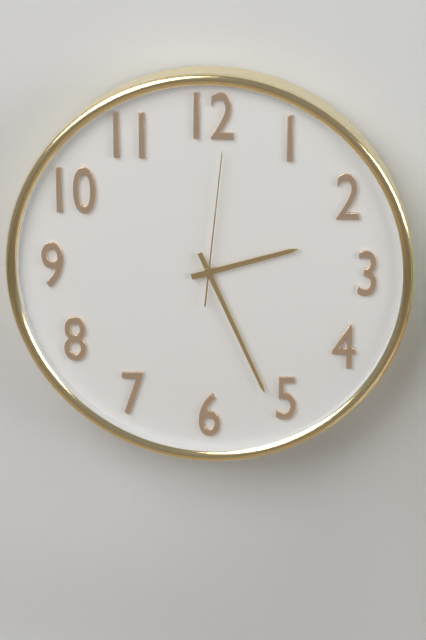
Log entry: 2:26:01
